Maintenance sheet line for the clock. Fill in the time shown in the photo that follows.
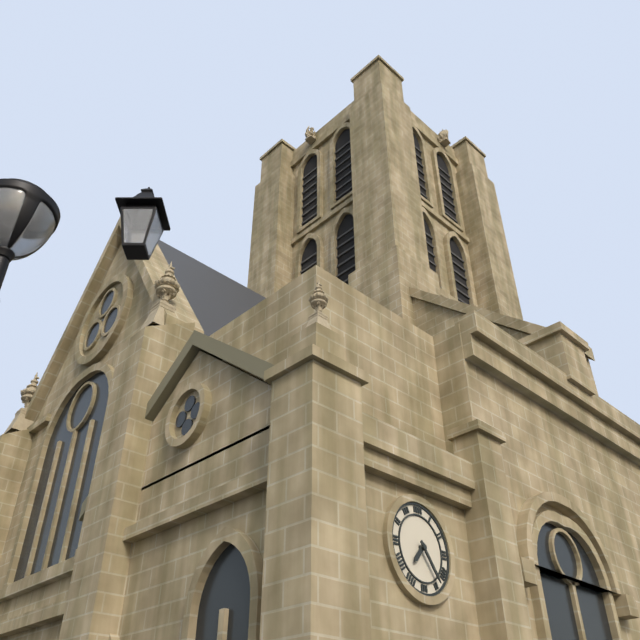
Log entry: 7:24
